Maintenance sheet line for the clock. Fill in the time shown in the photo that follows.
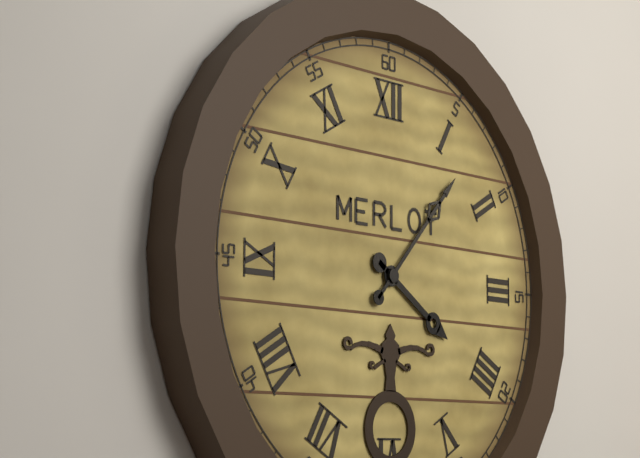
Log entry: 4:07
